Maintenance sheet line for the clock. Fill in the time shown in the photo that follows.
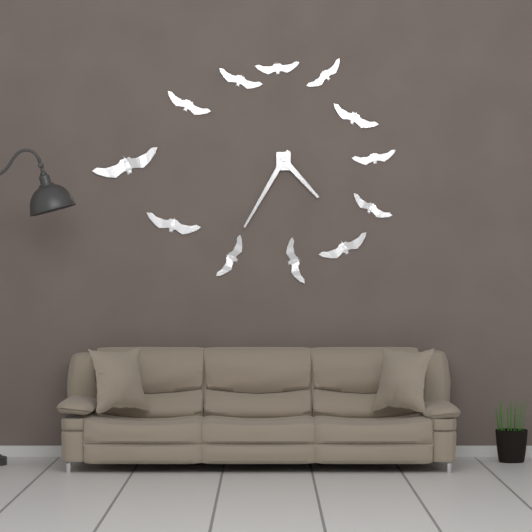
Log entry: 4:35
